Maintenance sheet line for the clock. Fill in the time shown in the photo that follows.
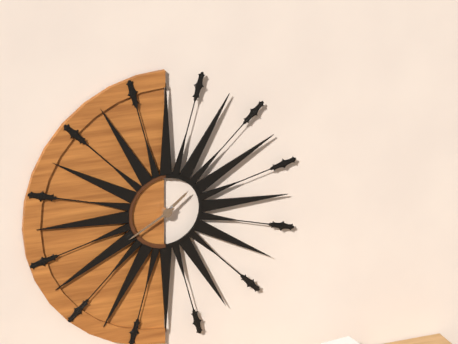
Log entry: 1:40
